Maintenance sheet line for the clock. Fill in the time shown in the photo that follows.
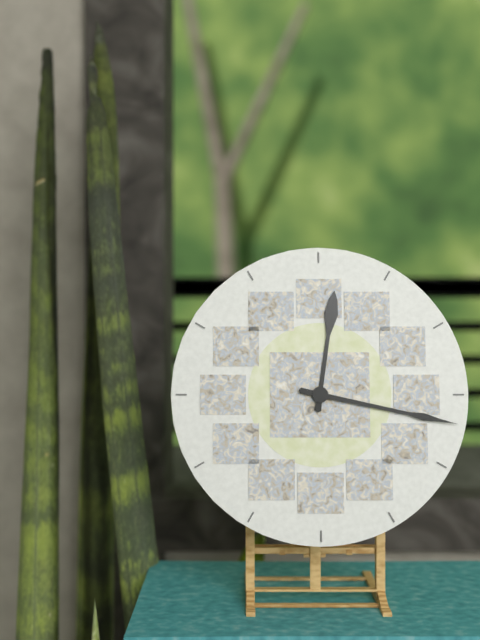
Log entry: 12:17
